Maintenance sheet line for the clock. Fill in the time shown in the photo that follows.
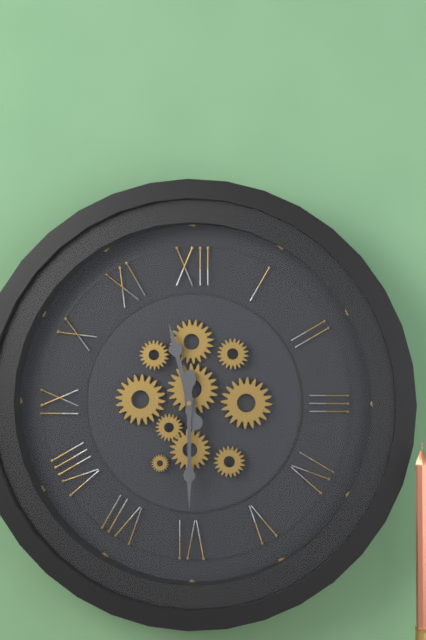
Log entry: 11:30
